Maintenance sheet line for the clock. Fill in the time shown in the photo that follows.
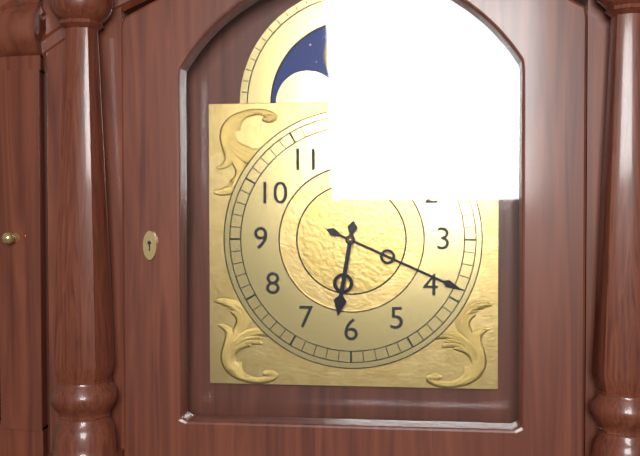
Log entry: 6:19
